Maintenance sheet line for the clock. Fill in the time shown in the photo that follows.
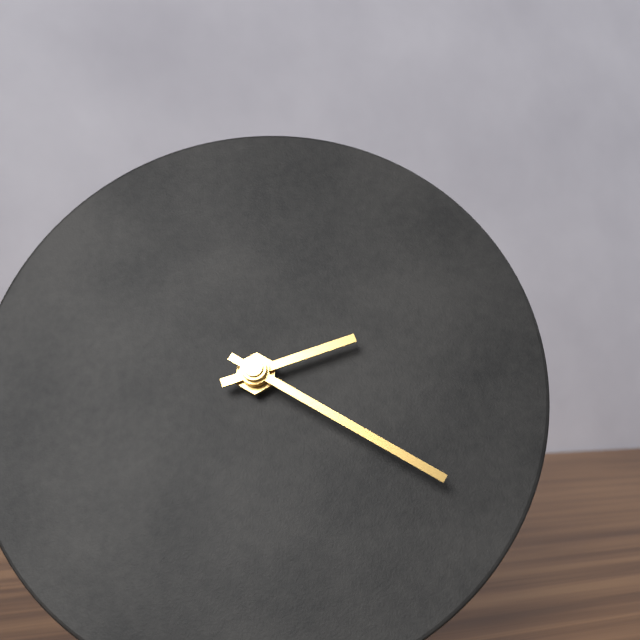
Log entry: 2:20
